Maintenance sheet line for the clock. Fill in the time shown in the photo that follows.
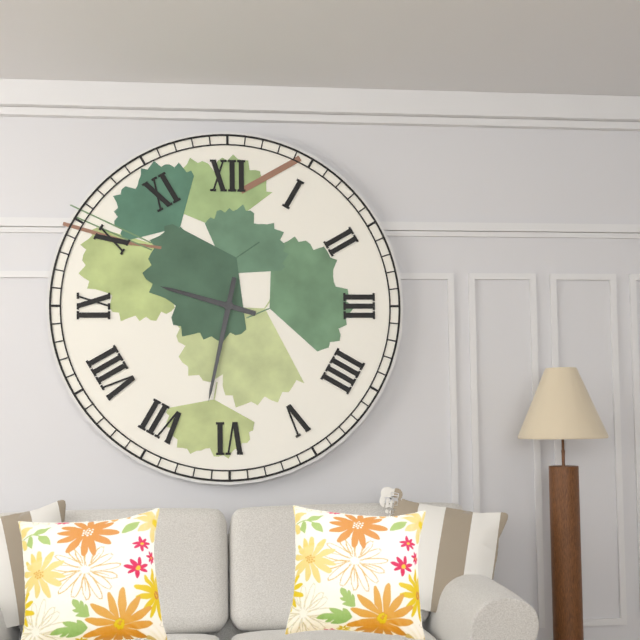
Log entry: 9:32
